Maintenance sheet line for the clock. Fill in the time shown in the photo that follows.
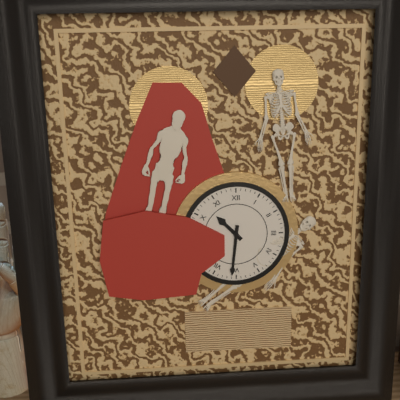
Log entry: 10:31
